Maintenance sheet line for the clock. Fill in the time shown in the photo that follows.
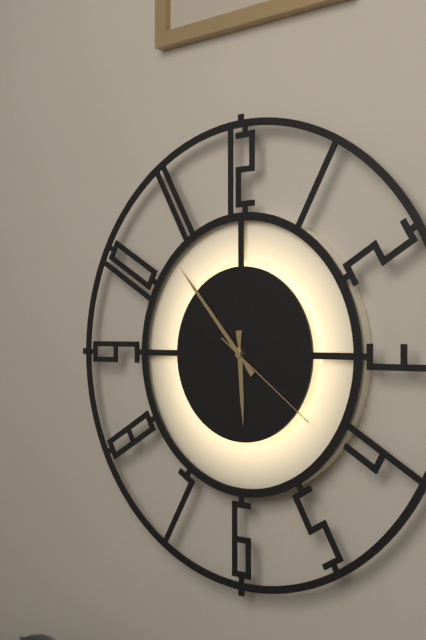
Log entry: 5:53:21
